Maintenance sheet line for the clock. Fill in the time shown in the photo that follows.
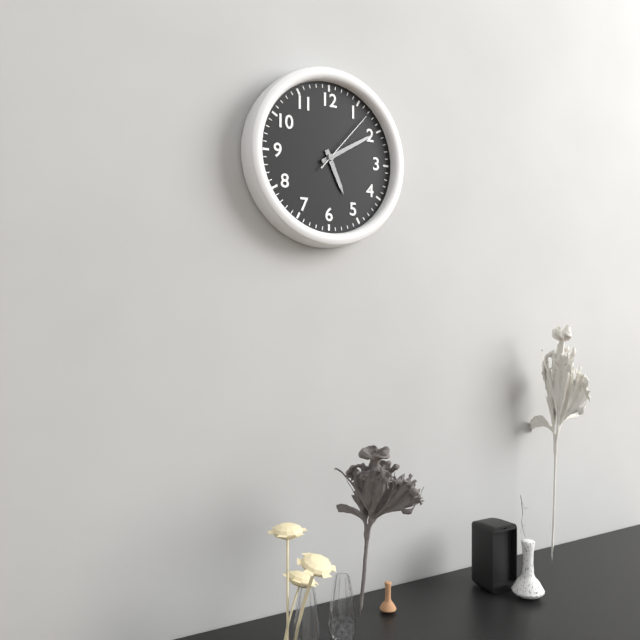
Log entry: 5:10:07
